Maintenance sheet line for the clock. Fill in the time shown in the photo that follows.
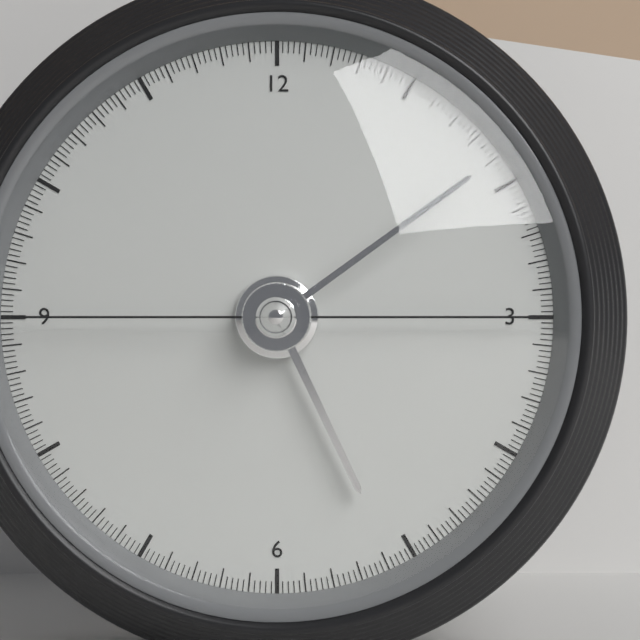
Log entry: 5:09:15
